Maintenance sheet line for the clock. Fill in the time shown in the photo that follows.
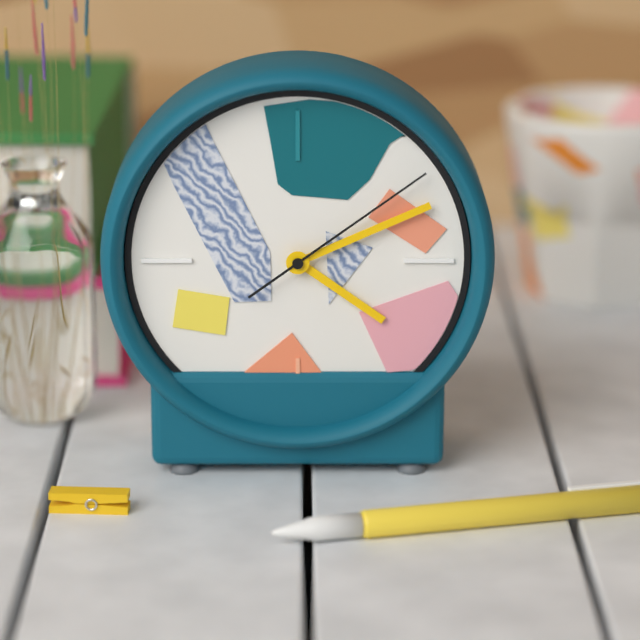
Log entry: 4:11:09
